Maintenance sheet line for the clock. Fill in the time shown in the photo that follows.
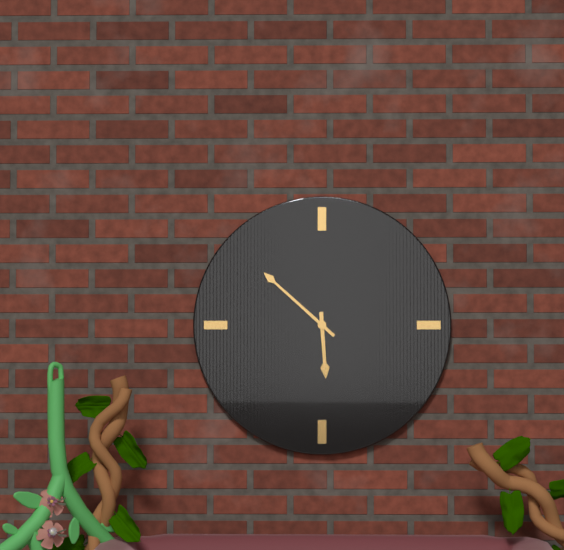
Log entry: 5:52
